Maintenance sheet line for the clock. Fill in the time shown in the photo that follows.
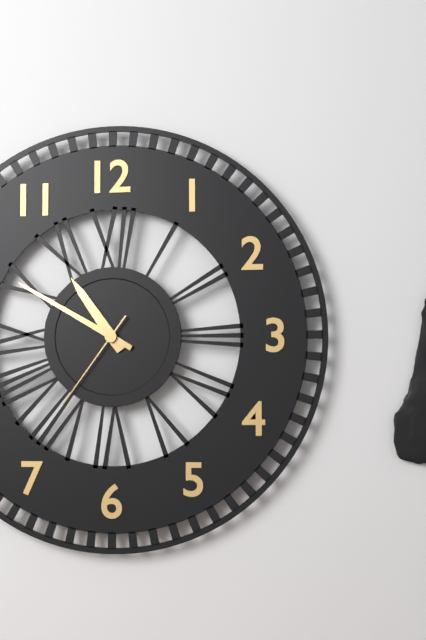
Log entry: 10:50:36
